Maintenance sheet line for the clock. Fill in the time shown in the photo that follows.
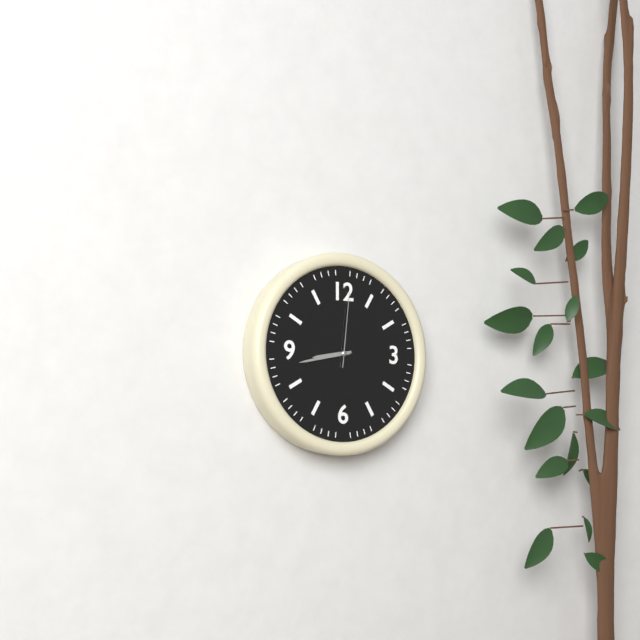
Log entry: 8:43:01
